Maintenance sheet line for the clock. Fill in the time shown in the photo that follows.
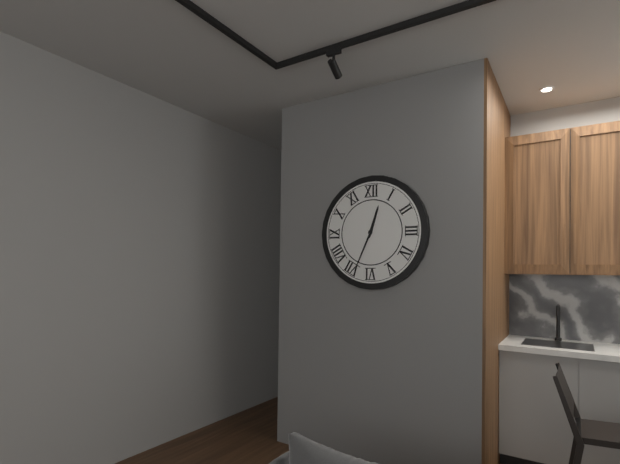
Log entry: 12:34
